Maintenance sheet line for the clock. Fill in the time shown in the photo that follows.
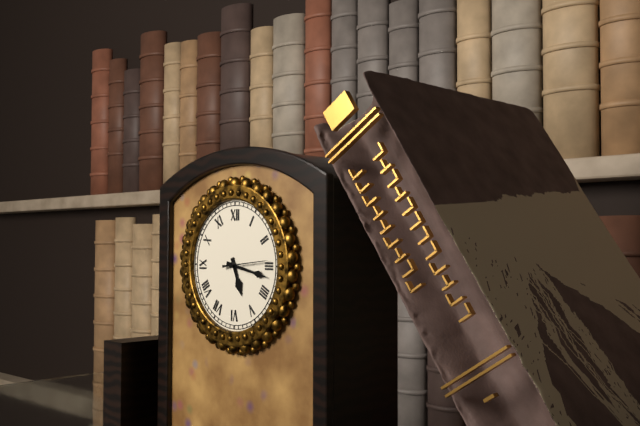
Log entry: 5:17
